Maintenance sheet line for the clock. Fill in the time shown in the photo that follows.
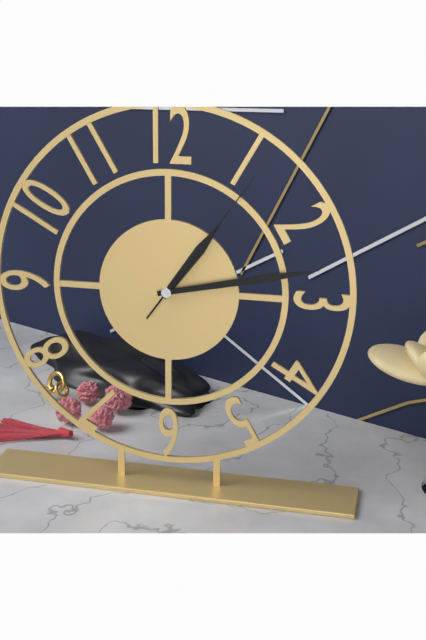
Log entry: 1:13:06
